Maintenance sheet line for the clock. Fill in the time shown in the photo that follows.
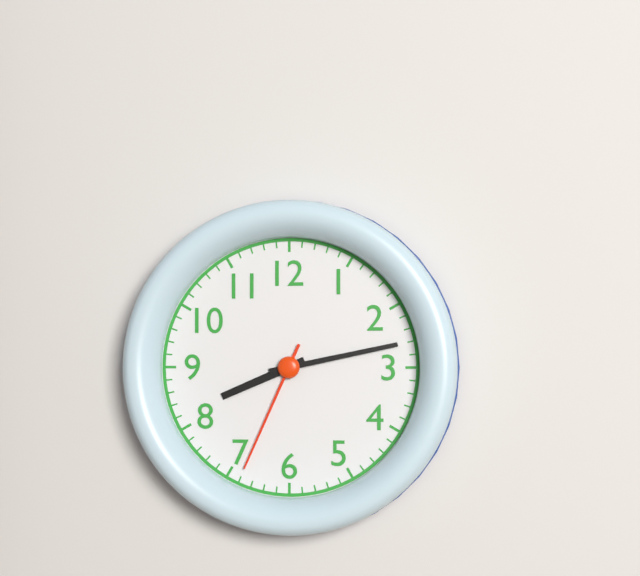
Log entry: 8:13:34
